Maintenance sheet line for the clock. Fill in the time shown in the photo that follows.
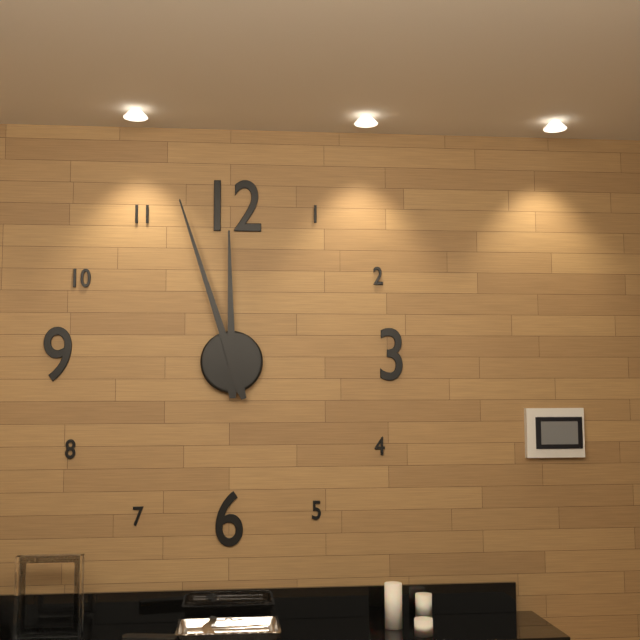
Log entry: 11:57
